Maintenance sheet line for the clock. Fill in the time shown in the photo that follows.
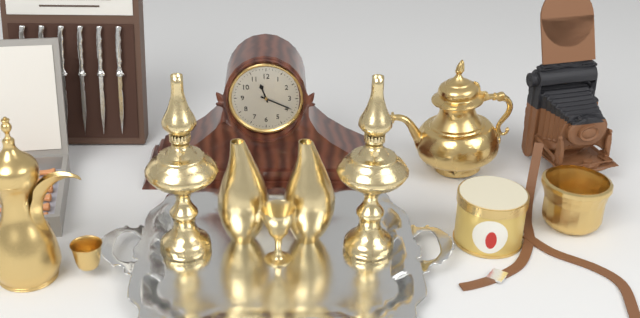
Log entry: 11:19
